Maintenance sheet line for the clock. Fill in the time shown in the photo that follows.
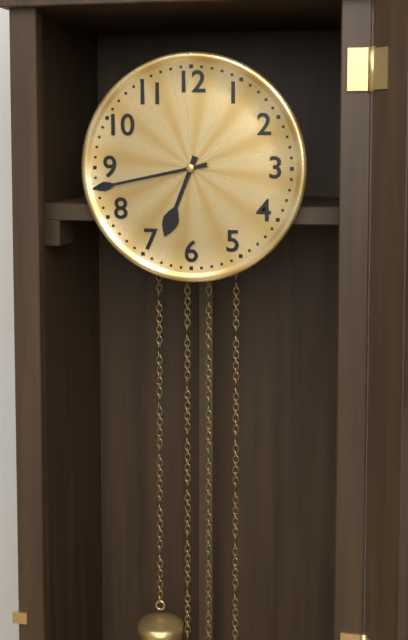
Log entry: 6:43
